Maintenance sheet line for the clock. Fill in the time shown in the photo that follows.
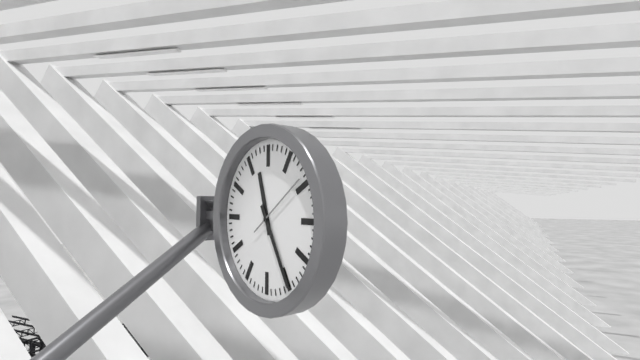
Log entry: 11:25:09
